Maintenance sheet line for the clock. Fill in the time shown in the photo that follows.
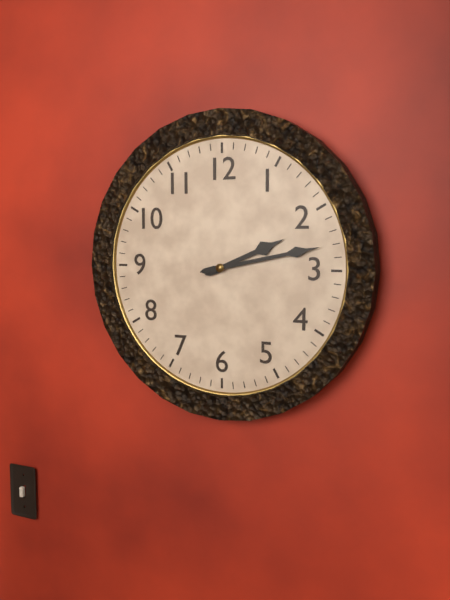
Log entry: 2:13
